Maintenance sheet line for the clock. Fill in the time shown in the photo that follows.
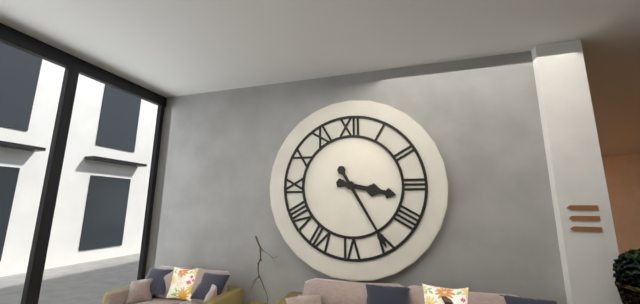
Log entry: 3:25
